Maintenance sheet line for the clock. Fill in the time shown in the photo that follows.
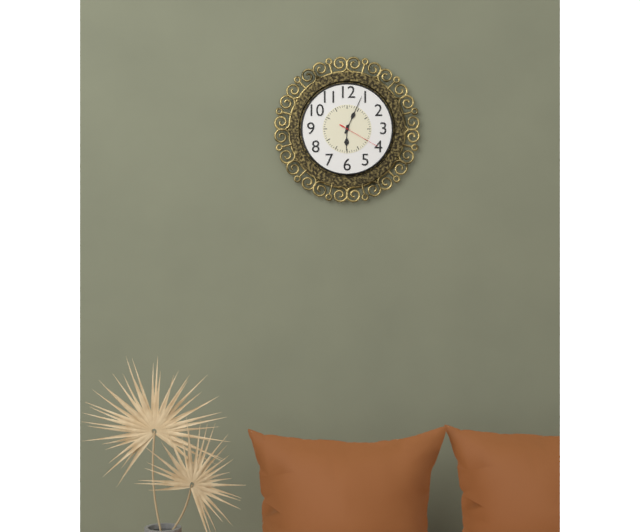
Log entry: 6:04
